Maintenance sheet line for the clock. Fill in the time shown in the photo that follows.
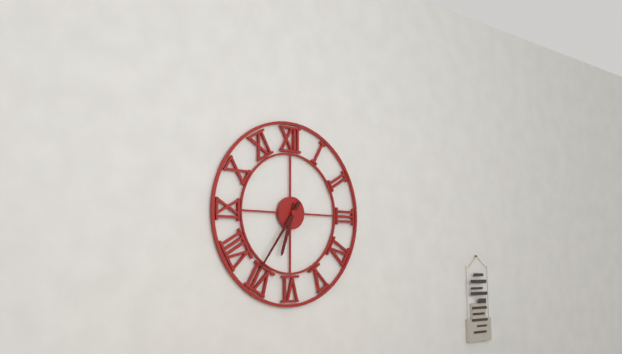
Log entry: 6:36
